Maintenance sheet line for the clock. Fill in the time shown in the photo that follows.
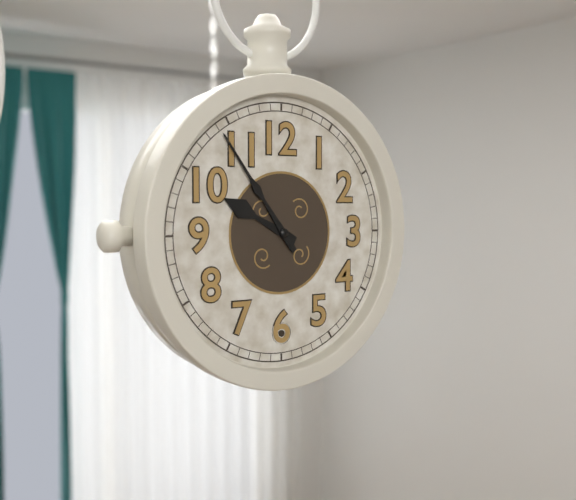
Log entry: 9:54
